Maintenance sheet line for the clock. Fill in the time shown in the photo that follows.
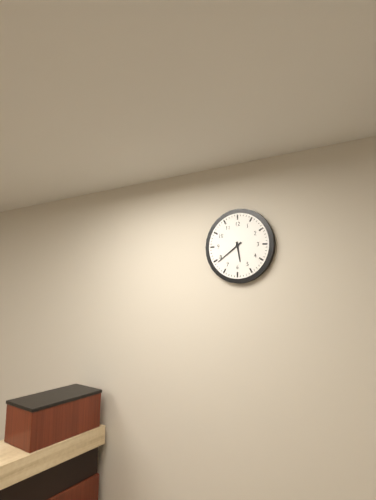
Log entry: 5:39
